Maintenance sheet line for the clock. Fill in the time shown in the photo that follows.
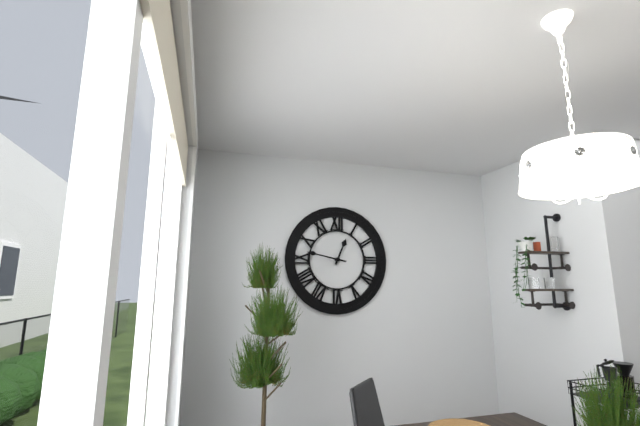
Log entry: 12:47
